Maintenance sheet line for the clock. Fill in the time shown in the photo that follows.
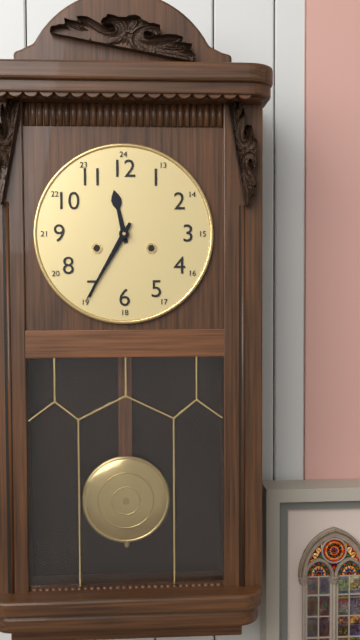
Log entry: 11:35
